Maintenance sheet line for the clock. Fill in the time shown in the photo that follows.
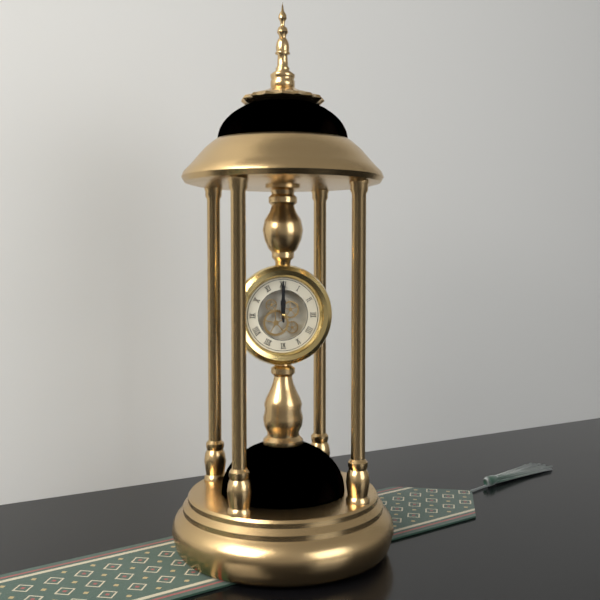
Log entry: 12:00
